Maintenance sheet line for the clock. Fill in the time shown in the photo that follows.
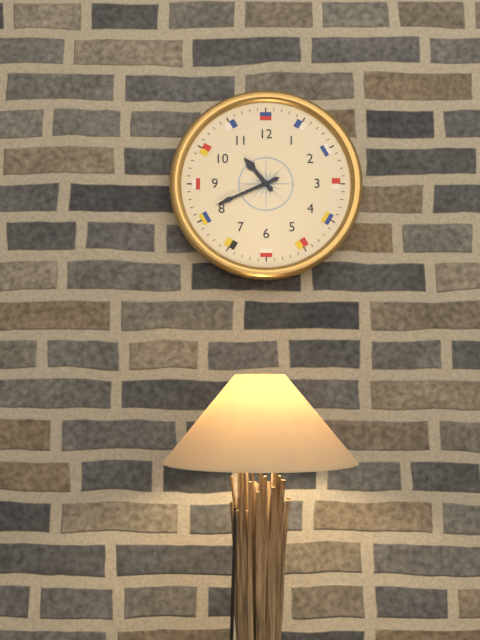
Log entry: 10:41
